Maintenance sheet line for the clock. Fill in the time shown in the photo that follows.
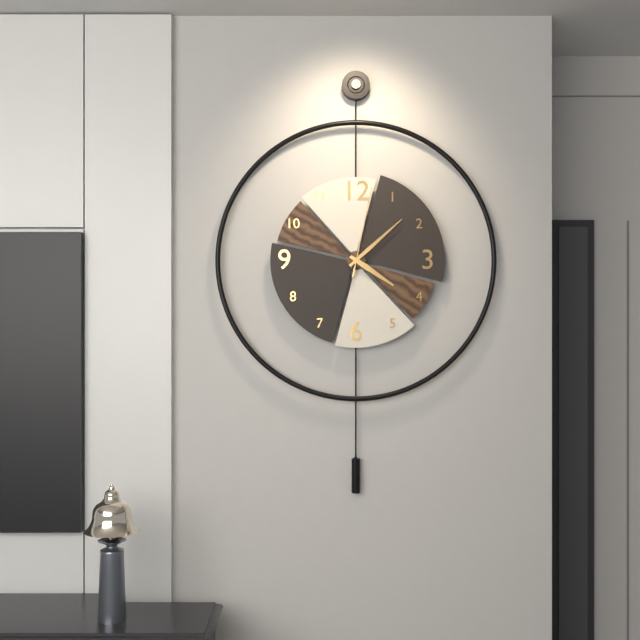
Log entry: 4:08:02
